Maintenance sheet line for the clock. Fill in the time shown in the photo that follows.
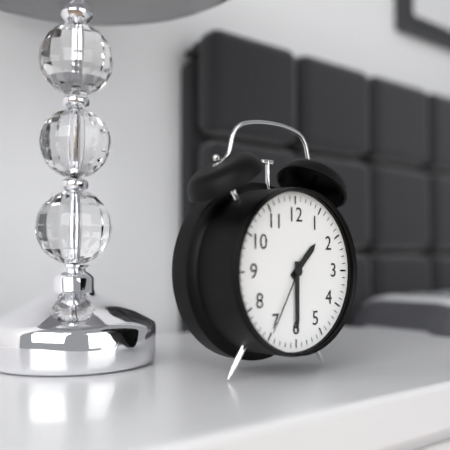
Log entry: 1:30:35
